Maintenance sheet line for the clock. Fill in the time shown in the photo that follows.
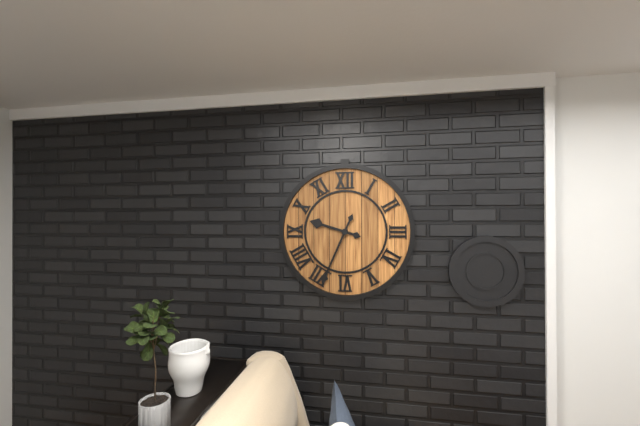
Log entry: 9:34
